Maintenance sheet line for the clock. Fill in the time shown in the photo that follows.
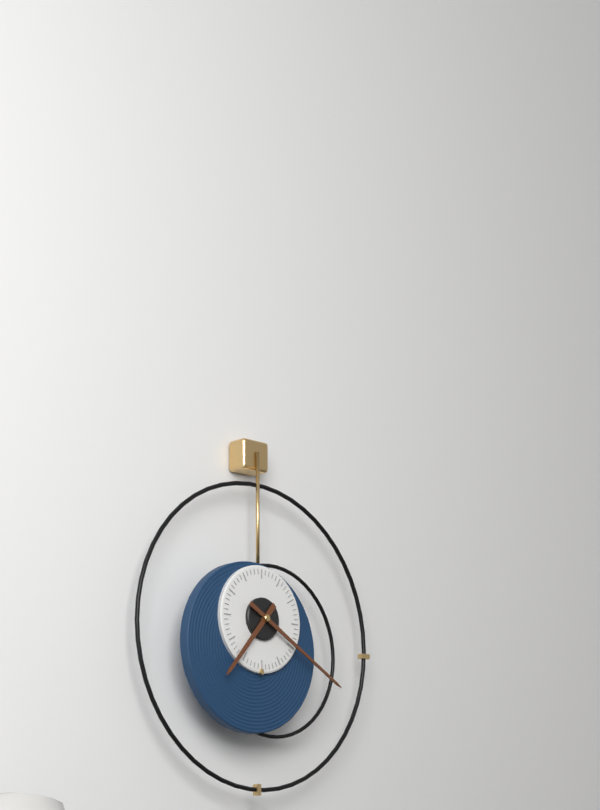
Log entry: 7:20
